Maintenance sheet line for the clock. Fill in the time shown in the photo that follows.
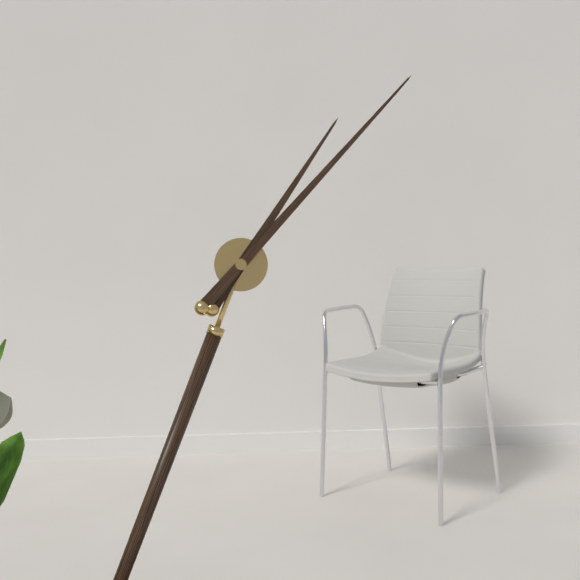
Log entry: 1:07
